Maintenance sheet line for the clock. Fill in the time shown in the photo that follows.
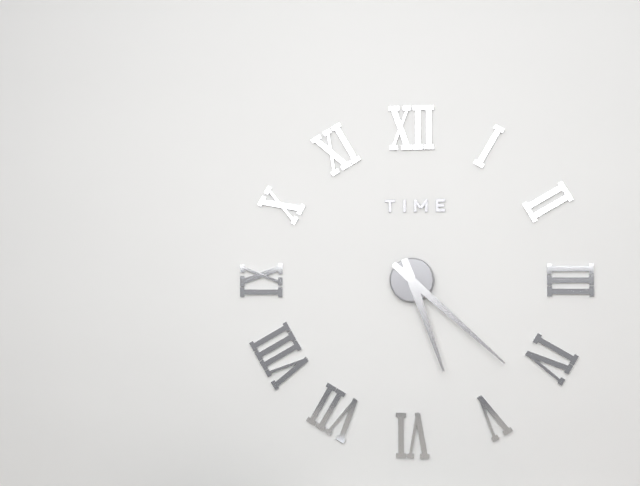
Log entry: 5:22
